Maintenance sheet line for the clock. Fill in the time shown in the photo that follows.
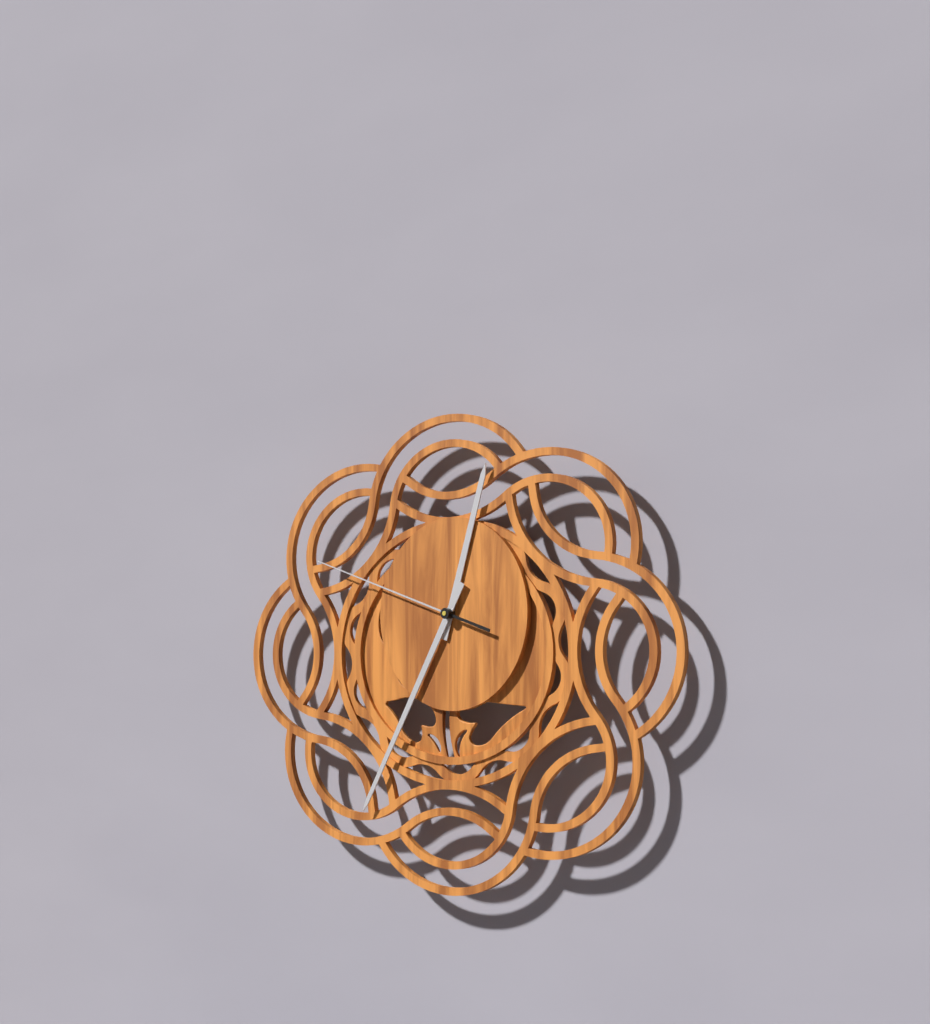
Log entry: 12:35:48
